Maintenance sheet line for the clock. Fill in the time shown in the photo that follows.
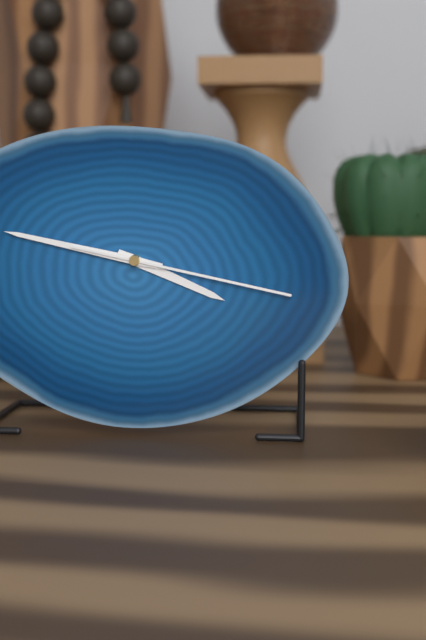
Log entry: 3:47:17
